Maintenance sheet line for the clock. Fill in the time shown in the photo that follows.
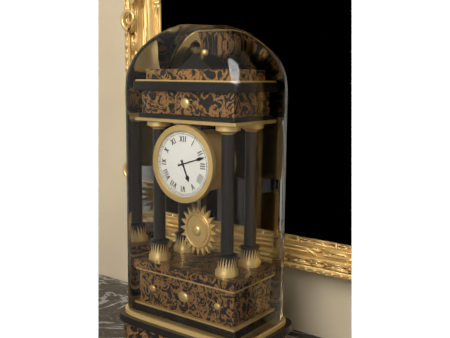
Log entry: 5:12
